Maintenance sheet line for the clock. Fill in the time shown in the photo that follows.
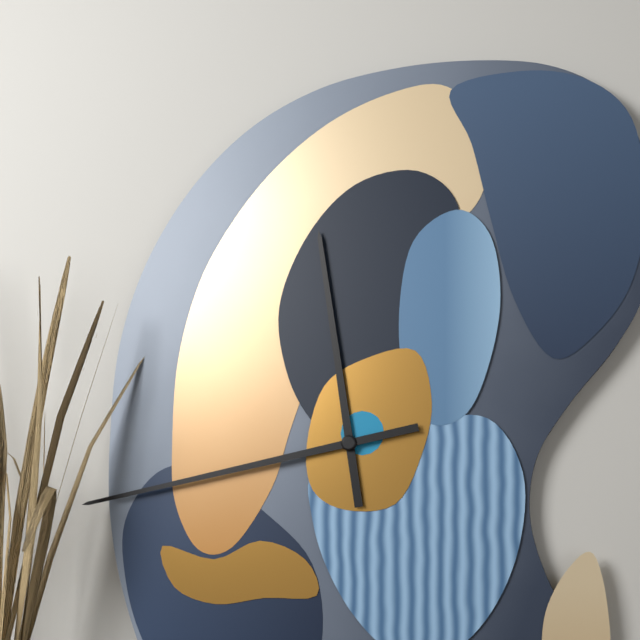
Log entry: 11:43
